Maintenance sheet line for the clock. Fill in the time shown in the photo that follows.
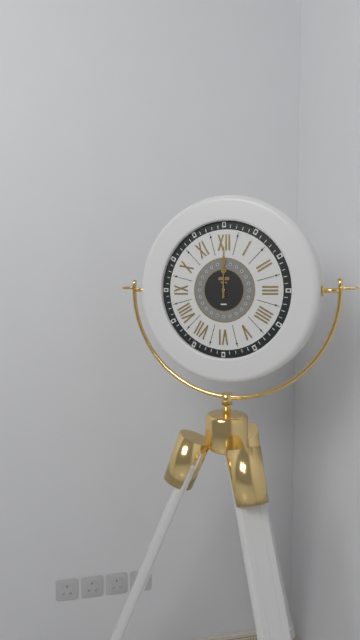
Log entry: 12:00
